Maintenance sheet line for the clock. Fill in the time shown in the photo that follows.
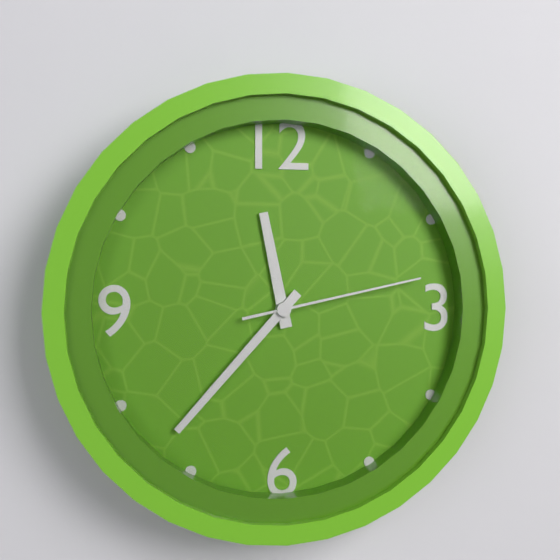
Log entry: 11:37:13
